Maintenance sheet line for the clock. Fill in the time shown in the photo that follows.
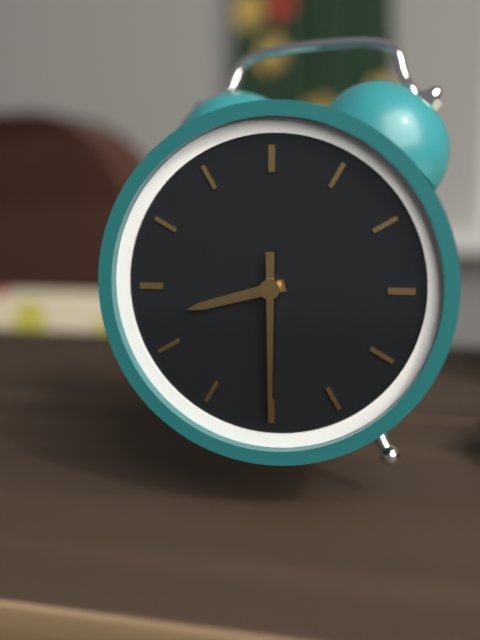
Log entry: 8:30
